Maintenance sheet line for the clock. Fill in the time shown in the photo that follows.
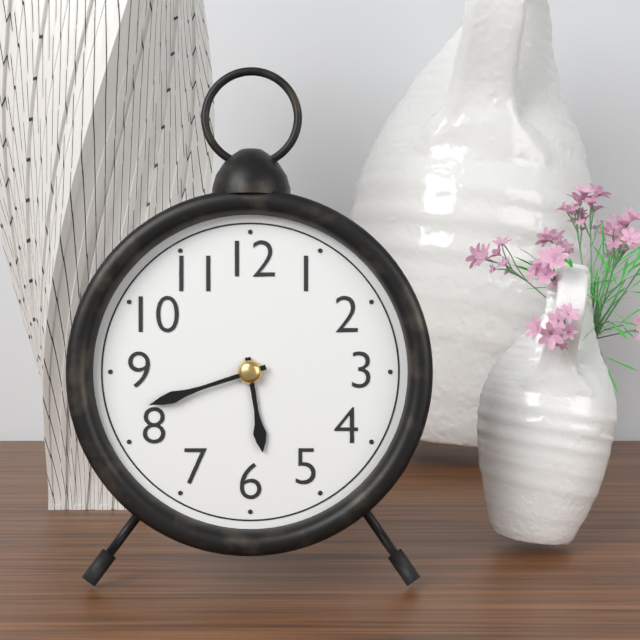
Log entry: 5:42
